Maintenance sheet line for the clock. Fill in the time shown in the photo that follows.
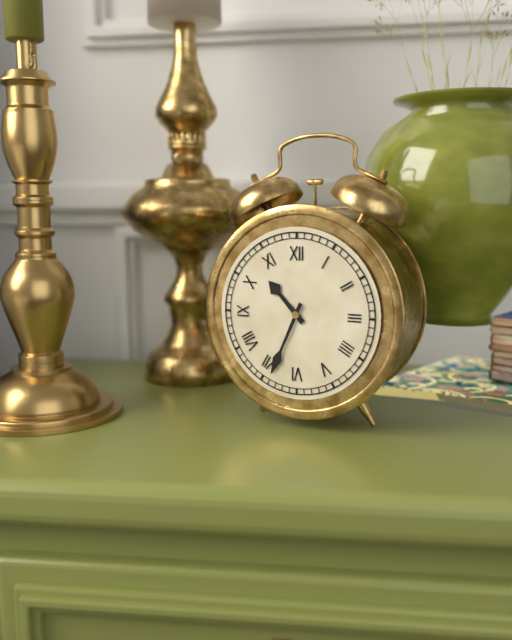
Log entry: 10:34
